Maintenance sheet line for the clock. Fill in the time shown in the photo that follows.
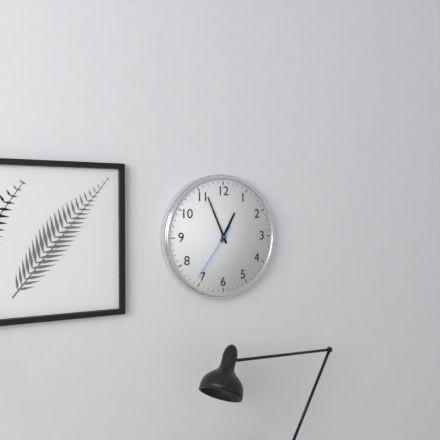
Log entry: 12:56:36
